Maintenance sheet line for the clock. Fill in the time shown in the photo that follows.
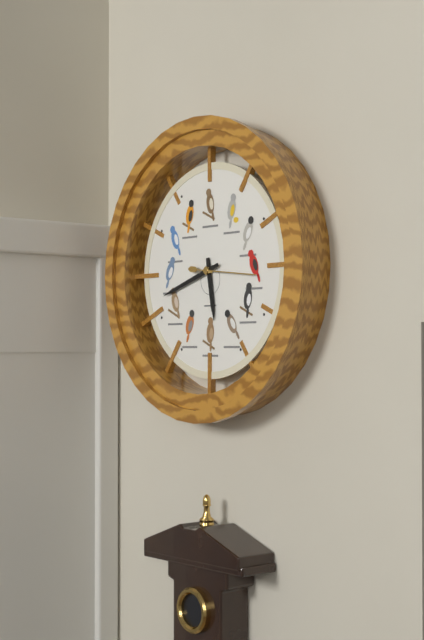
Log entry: 5:42:16
